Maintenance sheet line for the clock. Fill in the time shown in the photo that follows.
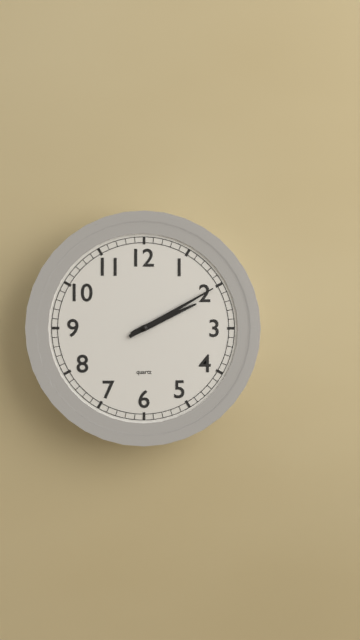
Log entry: 2:10
